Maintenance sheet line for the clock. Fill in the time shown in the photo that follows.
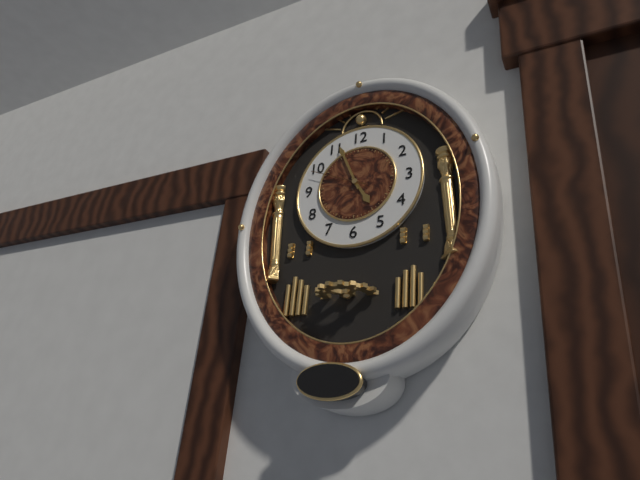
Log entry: 4:56:49
